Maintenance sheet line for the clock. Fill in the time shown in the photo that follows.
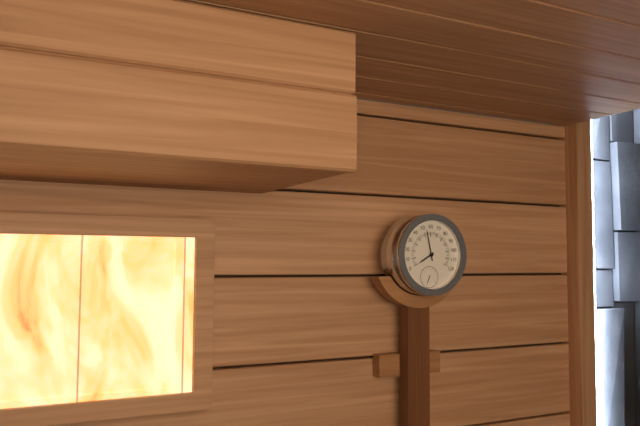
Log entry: 7:58
